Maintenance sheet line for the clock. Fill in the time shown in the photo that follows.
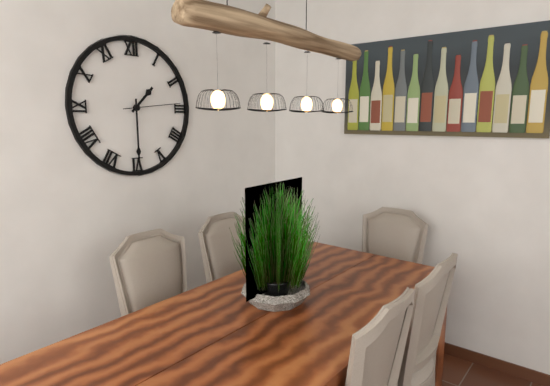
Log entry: 1:30:14
